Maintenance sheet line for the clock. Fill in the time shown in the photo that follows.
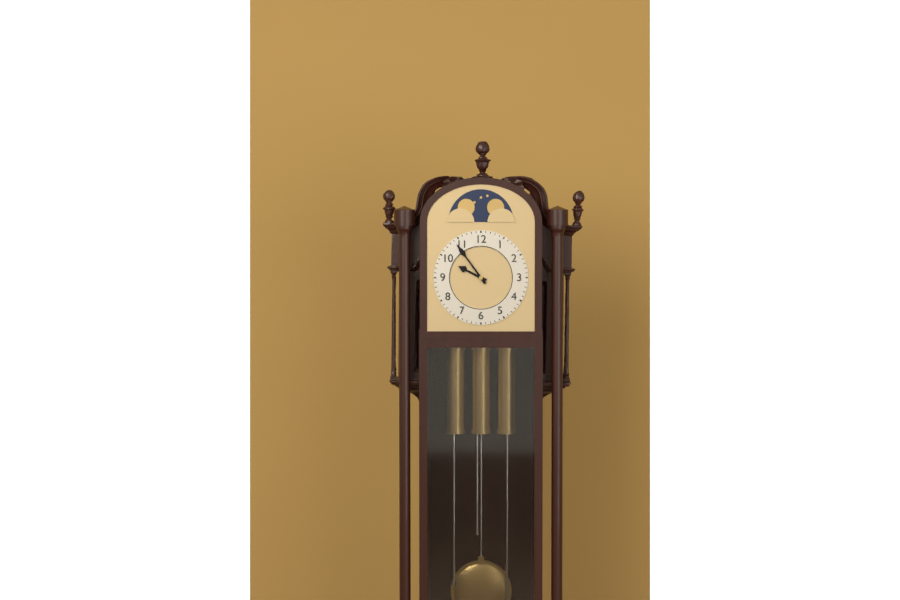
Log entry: 9:54
